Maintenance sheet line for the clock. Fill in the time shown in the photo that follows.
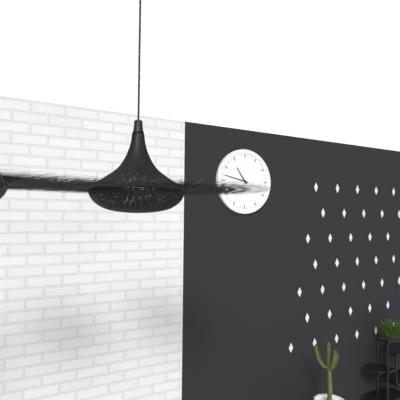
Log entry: 10:47
